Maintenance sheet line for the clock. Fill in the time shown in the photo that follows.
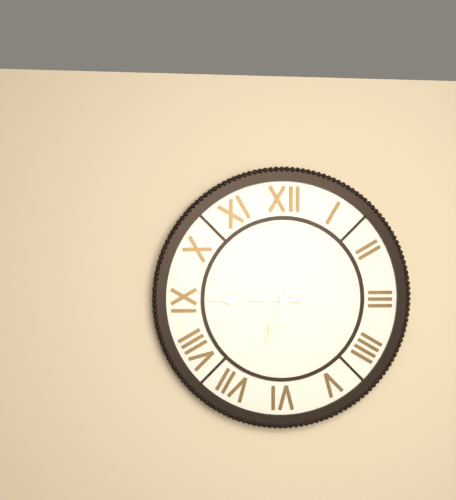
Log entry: 6:45
